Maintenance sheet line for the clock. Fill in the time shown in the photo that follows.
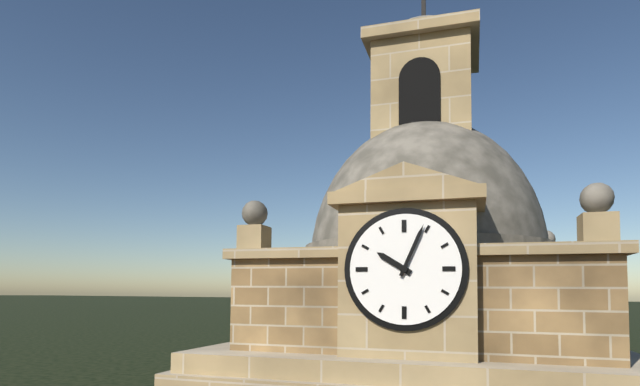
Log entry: 10:04
